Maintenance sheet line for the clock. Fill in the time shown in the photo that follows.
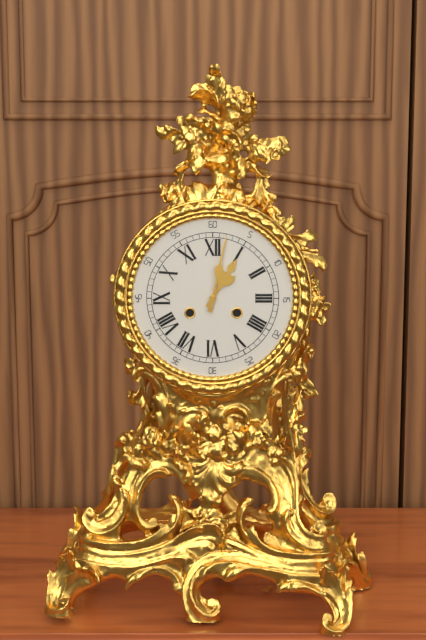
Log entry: 1:02
